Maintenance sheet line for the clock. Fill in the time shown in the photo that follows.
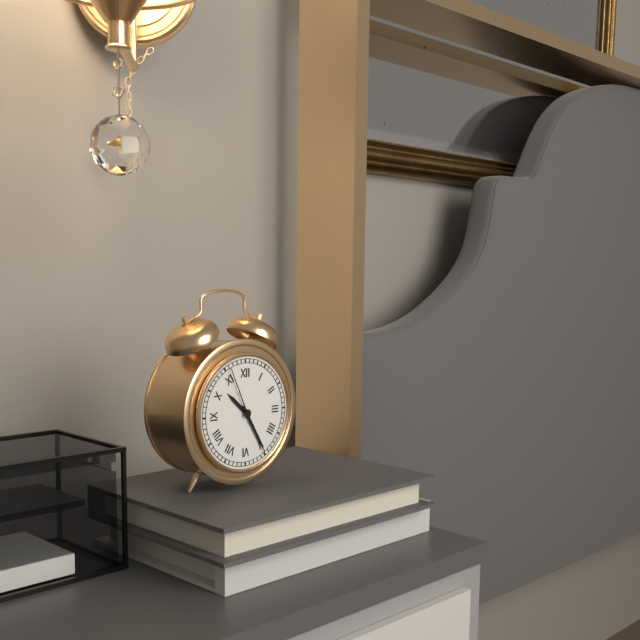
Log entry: 10:25:56
